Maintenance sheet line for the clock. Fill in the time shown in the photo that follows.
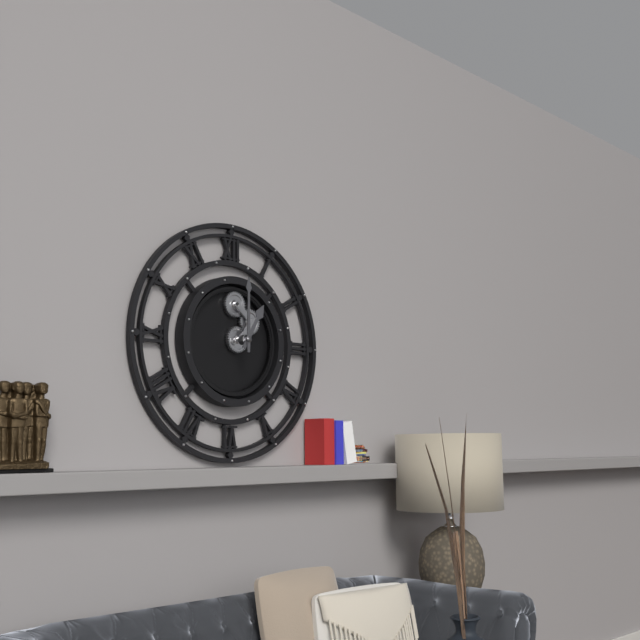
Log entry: 1:00
